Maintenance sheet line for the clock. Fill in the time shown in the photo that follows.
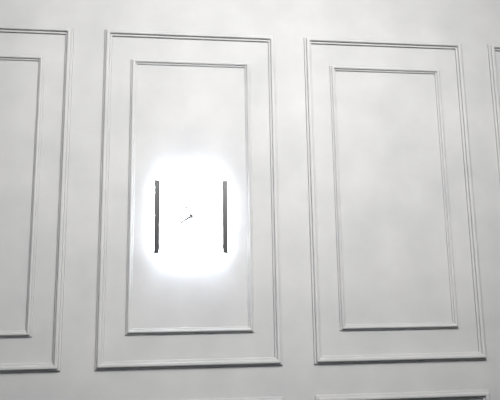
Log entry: 7:55
